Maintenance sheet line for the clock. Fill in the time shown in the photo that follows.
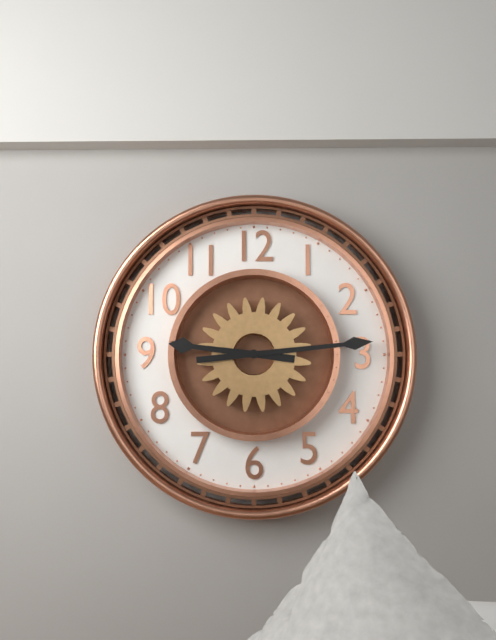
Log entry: 9:14
